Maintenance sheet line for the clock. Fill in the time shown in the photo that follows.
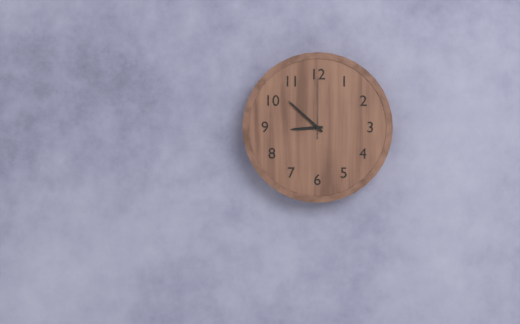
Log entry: 8:52:00
